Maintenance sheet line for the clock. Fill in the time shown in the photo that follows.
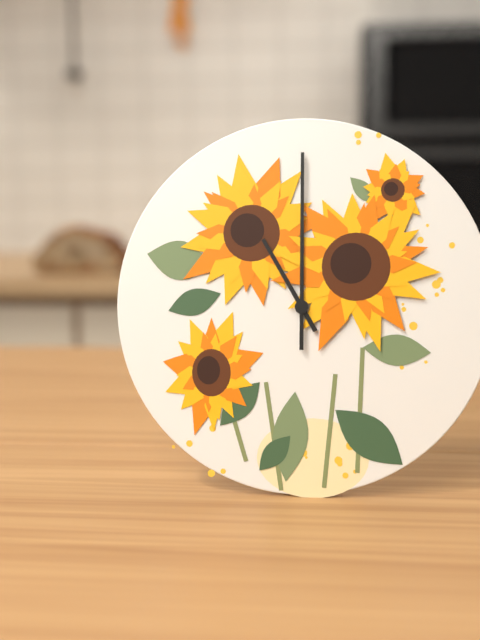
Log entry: 11:00
